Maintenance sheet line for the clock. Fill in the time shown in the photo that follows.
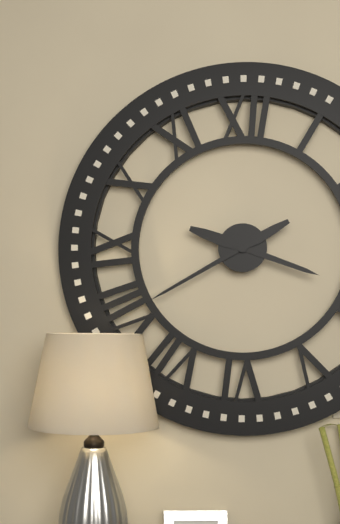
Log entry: 3:40
